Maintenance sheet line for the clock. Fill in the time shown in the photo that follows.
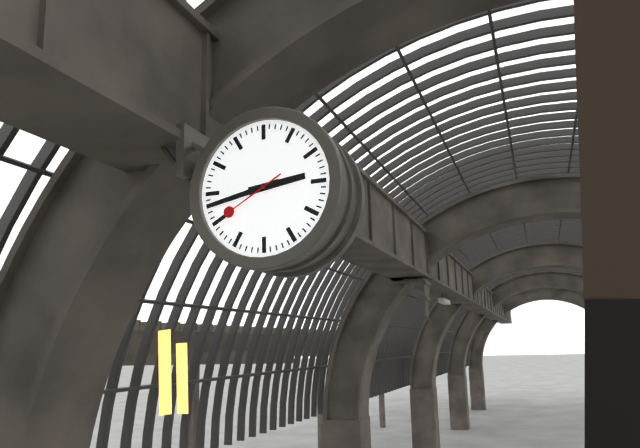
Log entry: 2:43:40
